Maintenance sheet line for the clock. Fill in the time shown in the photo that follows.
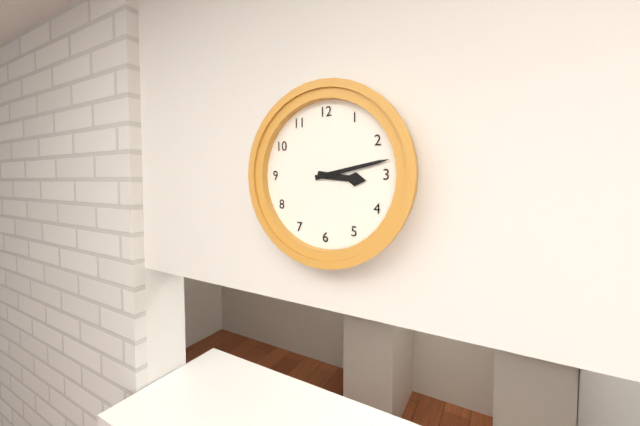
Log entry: 3:13
